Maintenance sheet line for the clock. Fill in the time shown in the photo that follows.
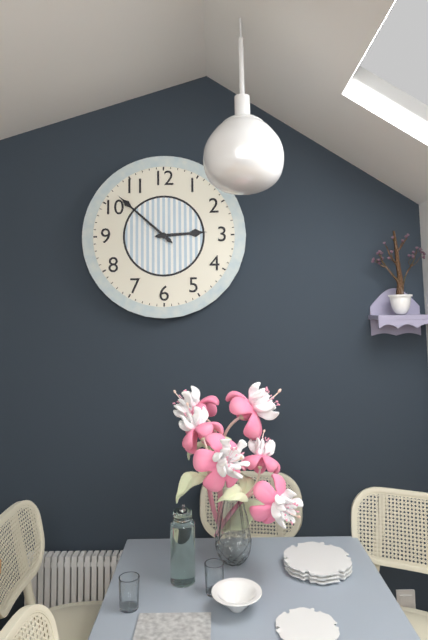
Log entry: 2:52
